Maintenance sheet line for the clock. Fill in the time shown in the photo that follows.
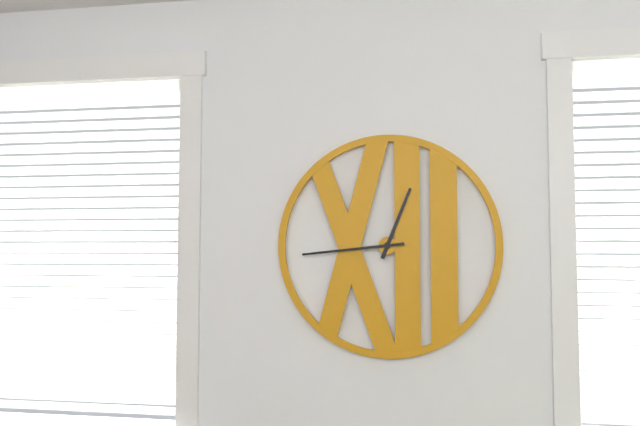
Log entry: 12:44
